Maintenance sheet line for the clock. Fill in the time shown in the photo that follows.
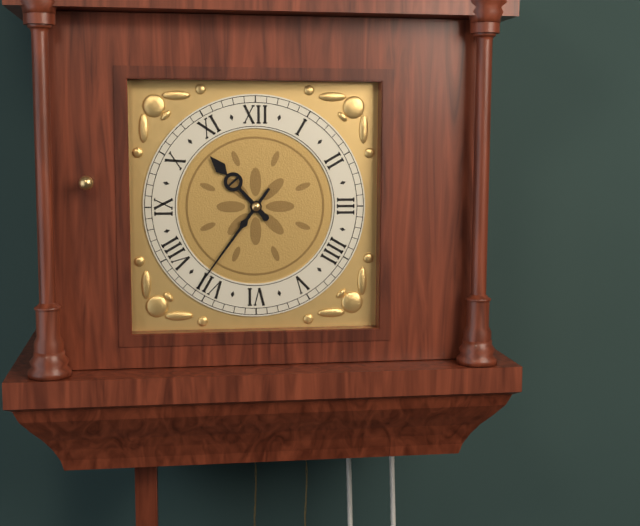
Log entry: 10:36
